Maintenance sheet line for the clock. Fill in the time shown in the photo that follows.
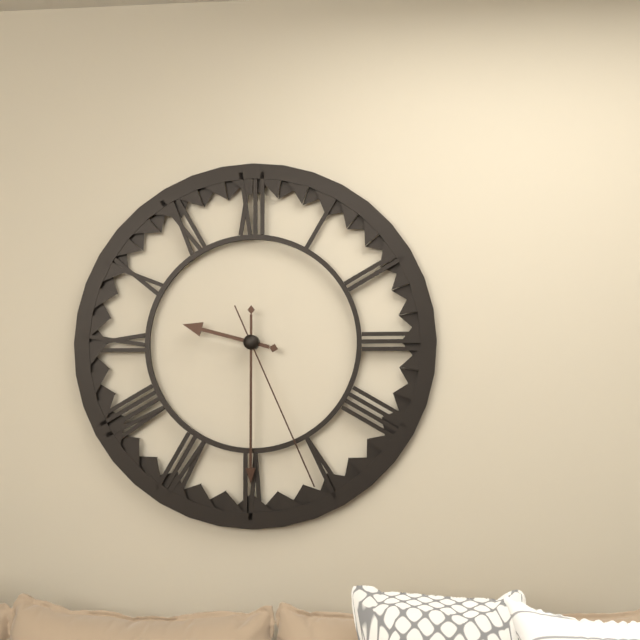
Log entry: 9:30:26
